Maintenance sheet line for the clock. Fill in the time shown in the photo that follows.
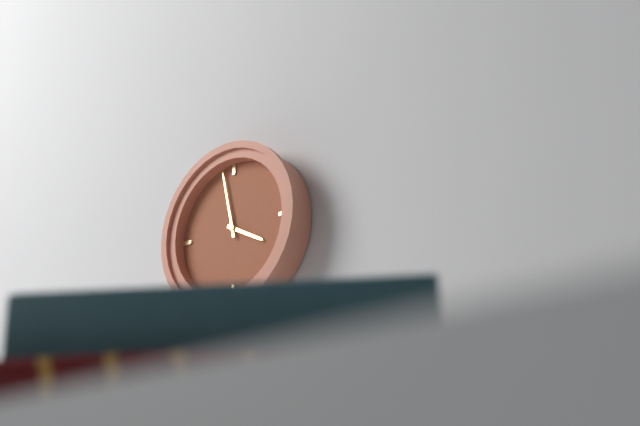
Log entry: 3:58
